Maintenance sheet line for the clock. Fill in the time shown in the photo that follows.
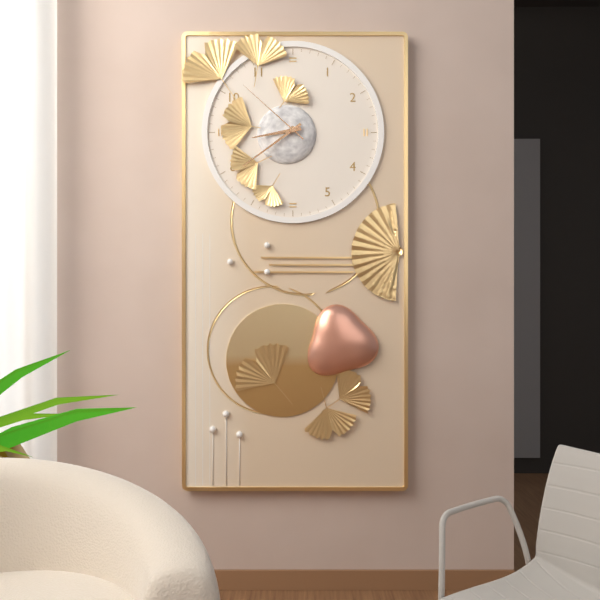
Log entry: 8:39:52
